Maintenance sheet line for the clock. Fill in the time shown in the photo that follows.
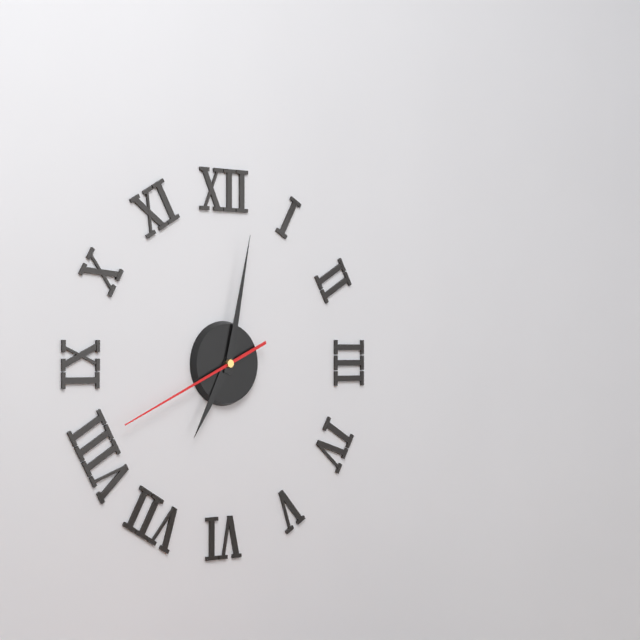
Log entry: 7:02:41
